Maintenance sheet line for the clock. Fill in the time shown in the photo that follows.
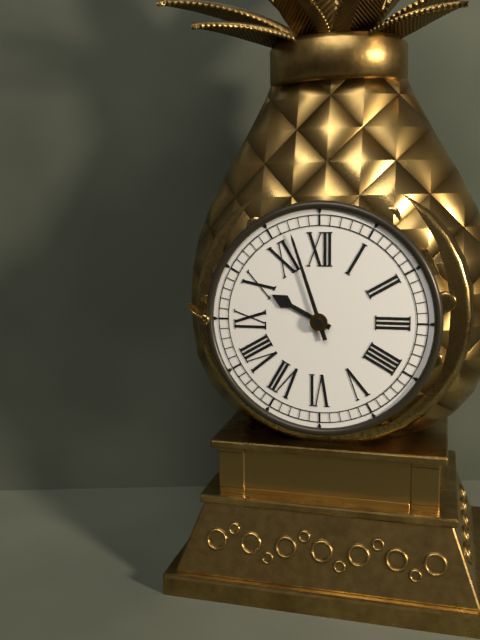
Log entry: 9:57
